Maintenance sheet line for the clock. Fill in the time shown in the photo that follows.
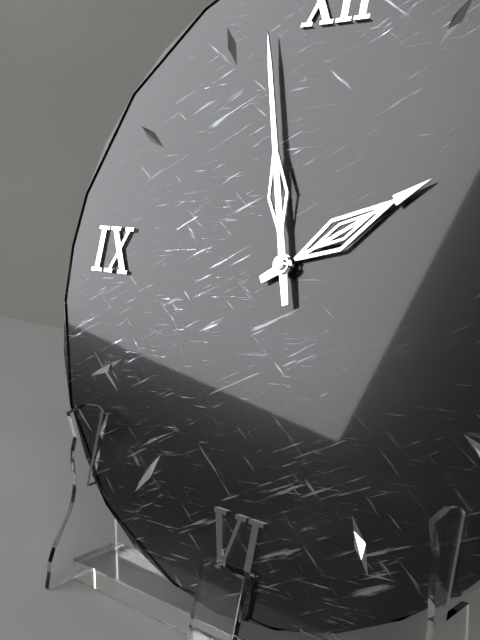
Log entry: 1:57
